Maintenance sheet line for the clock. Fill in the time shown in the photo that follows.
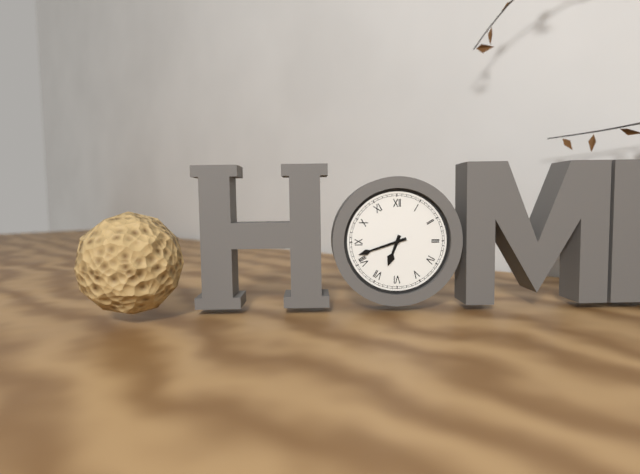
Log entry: 6:42
